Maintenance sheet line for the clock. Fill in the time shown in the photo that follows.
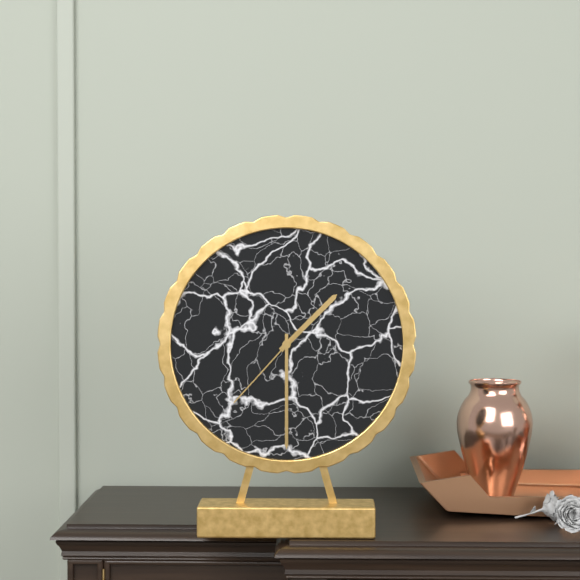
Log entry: 1:30:37
